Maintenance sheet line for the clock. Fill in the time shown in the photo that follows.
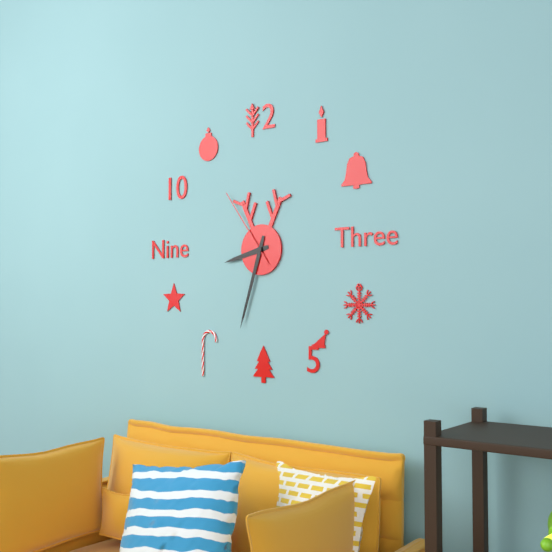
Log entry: 8:33:54
